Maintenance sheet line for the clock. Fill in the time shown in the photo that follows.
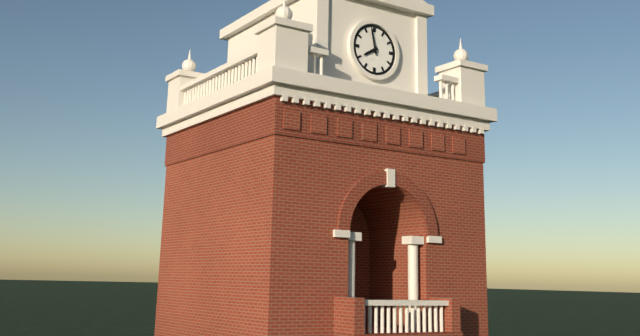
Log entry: 7:58
